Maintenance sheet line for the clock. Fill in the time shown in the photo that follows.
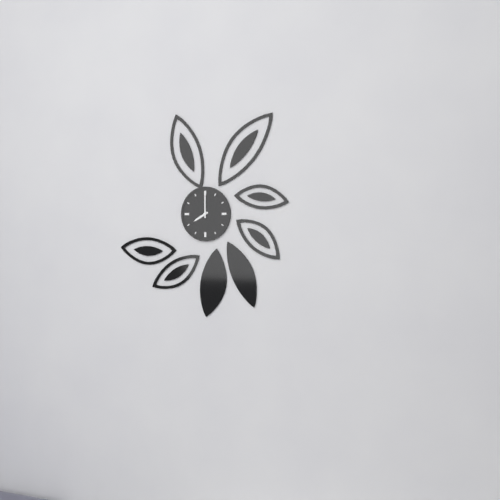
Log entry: 8:00
